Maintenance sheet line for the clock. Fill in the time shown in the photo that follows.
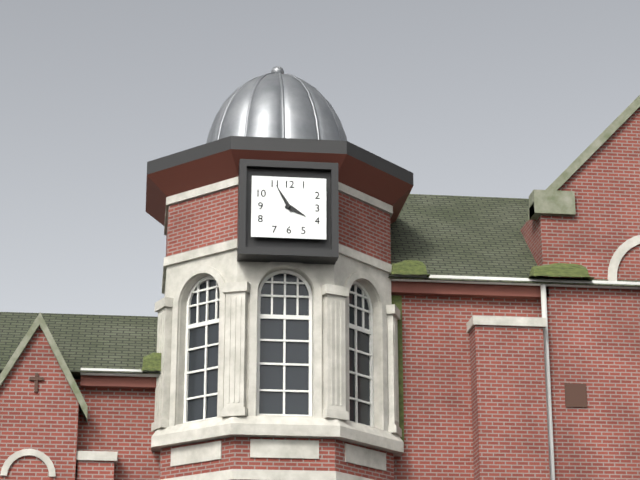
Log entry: 3:55
